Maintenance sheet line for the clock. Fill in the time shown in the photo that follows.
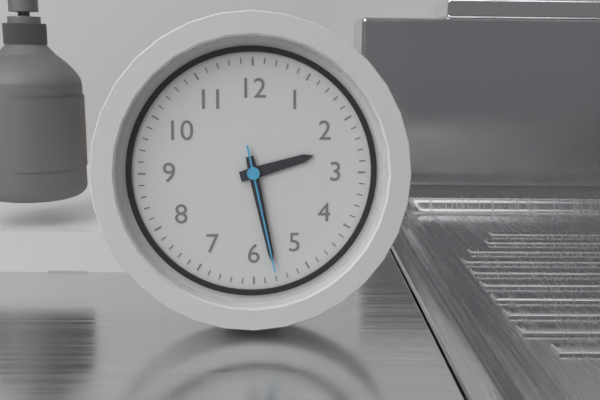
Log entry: 2:28:28
